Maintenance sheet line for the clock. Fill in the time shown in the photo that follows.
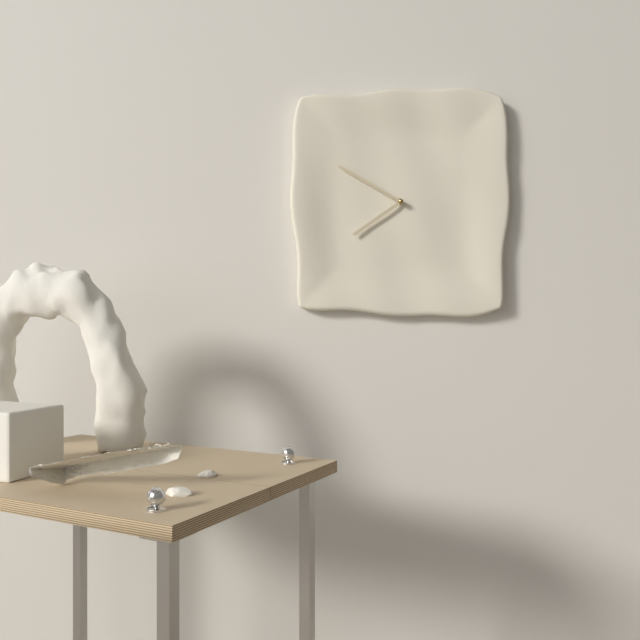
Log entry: 7:50
